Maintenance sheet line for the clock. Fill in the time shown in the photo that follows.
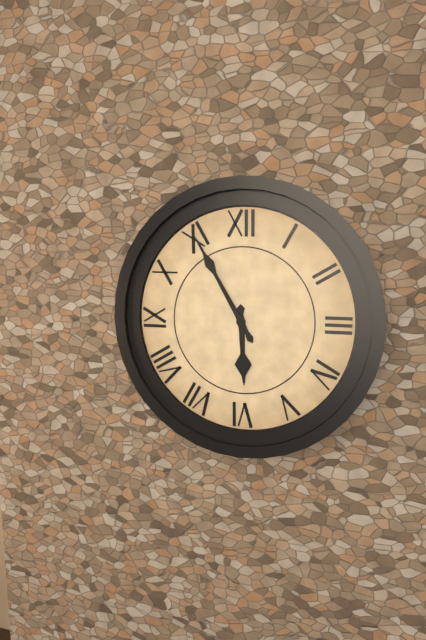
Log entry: 5:55
